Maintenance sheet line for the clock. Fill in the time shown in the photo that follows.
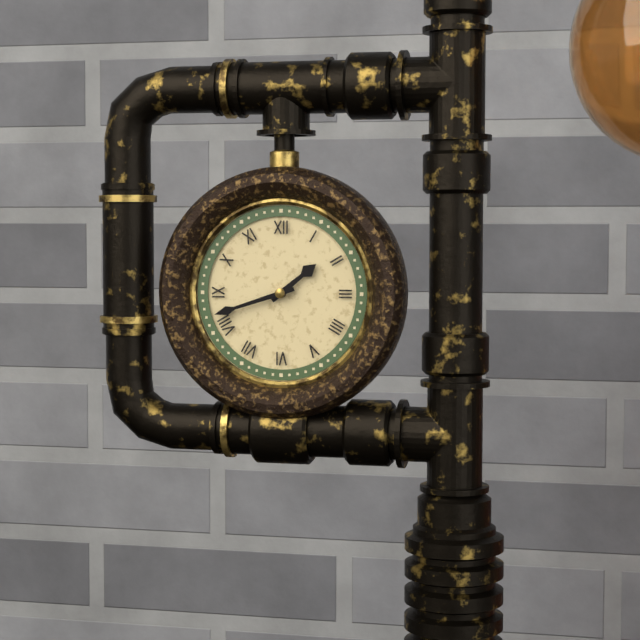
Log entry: 1:42
